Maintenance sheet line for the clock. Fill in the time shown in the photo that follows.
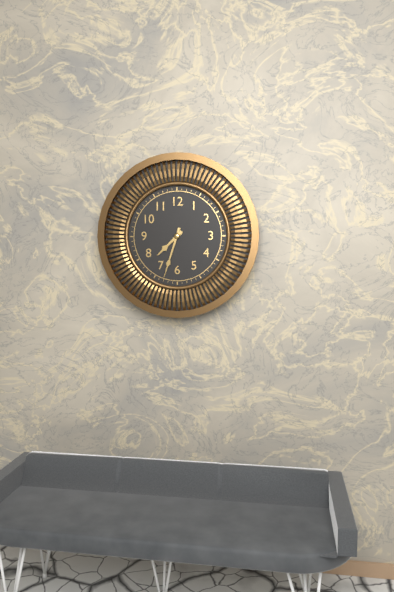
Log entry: 7:33
